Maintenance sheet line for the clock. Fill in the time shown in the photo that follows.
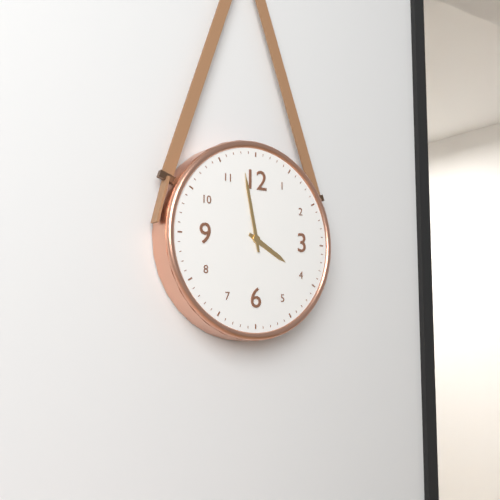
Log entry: 3:58
